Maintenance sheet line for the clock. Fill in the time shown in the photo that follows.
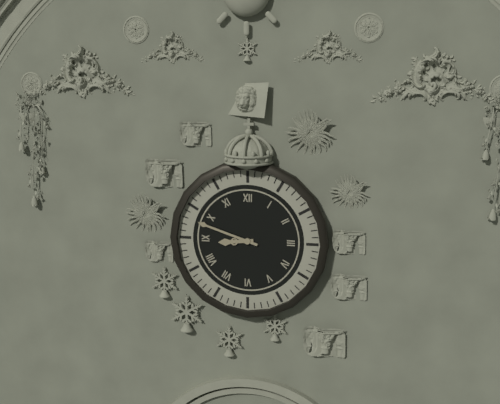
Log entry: 8:48
